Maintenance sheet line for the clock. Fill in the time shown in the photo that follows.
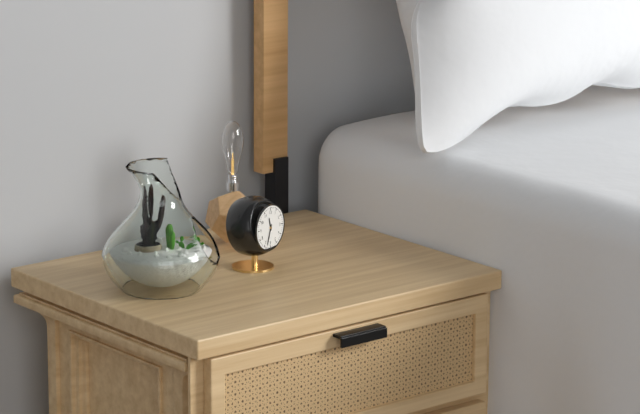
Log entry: 11:33
